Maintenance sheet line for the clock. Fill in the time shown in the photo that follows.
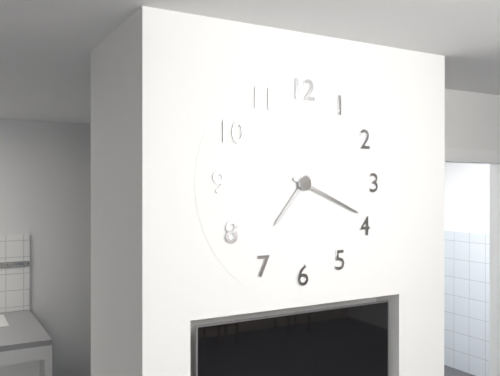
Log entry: 7:19
